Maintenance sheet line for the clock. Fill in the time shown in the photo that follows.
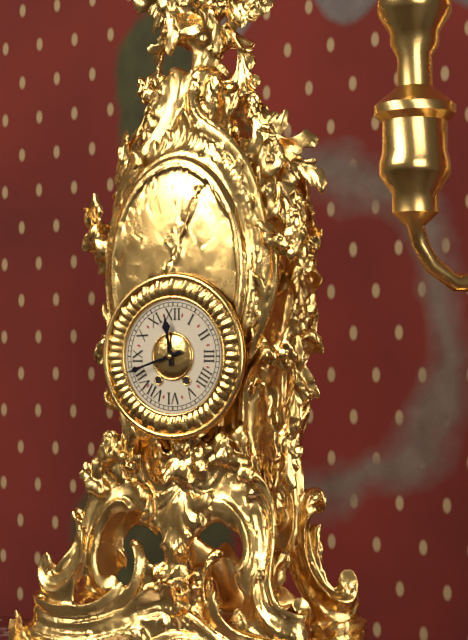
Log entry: 11:42
